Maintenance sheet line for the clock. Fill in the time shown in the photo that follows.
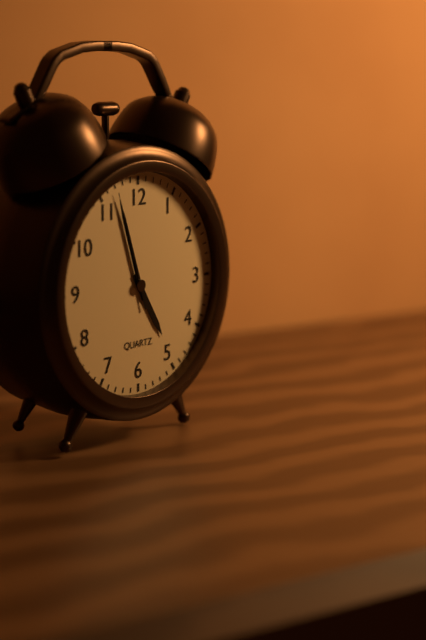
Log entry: 4:57:57
